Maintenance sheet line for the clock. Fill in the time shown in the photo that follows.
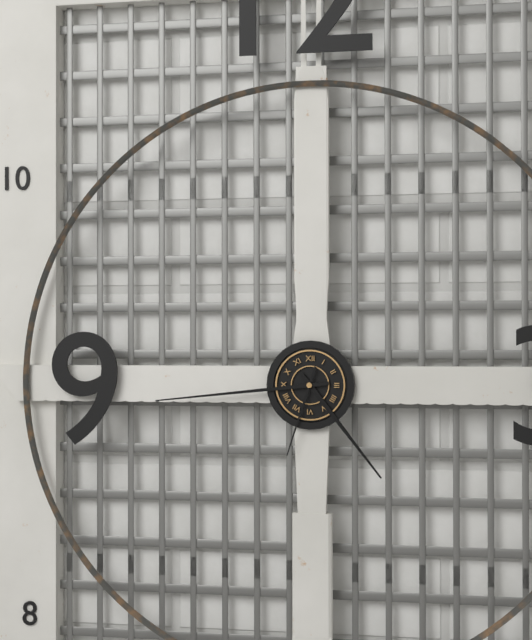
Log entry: 4:44:33
